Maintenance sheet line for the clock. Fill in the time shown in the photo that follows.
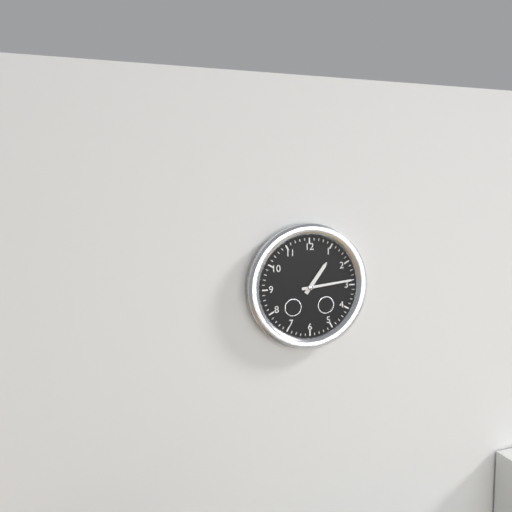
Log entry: 1:14
